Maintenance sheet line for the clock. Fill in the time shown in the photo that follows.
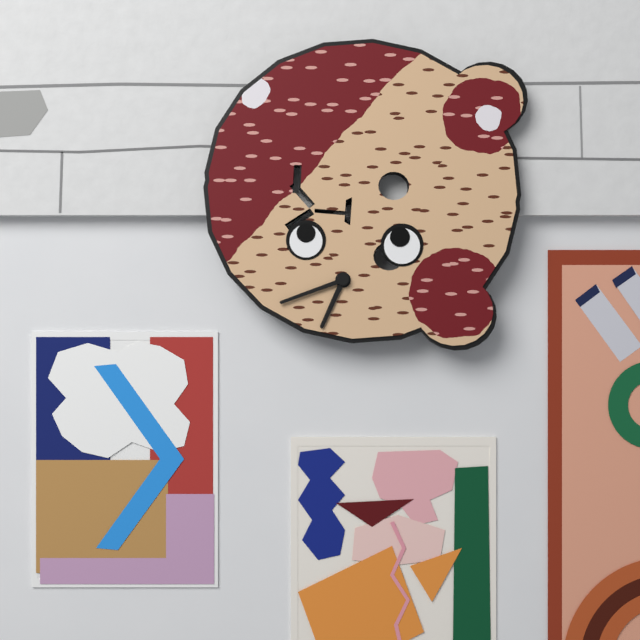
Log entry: 6:41
